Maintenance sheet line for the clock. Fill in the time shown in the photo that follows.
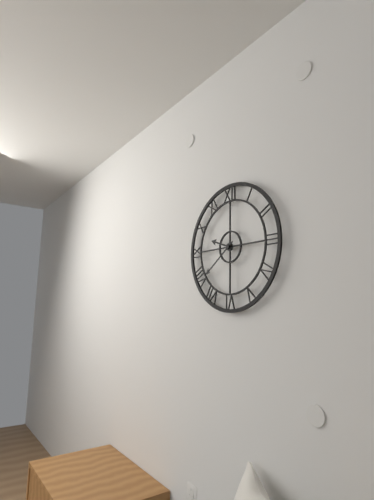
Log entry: 9:39
